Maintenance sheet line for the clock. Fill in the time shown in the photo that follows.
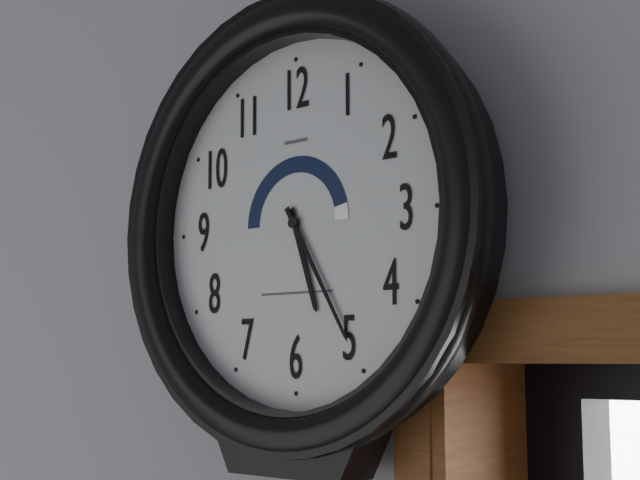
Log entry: 5:25
